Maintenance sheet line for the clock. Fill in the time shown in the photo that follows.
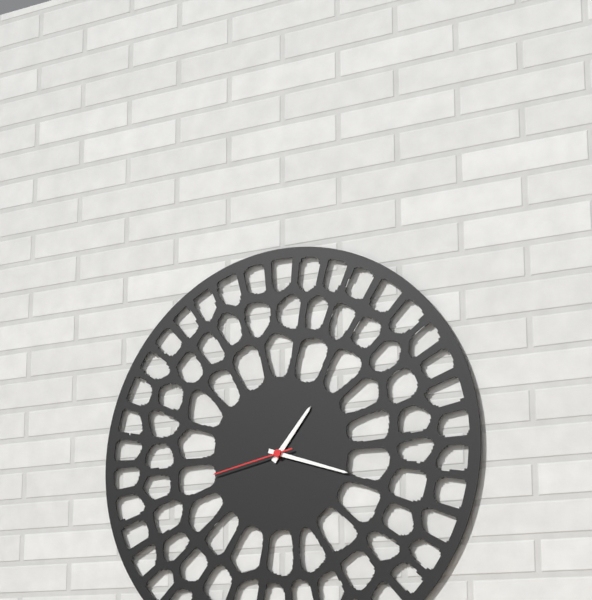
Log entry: 1:18:43
